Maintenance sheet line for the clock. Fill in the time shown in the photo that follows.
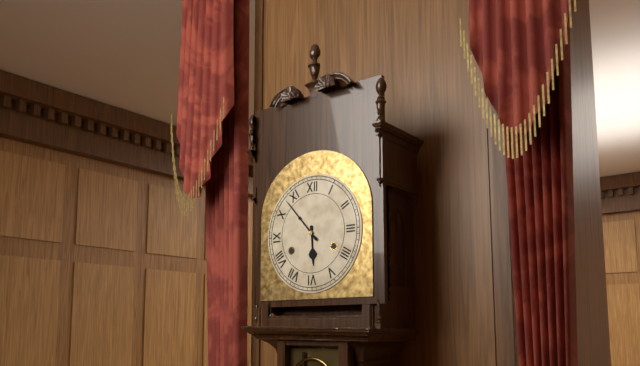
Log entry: 5:53
